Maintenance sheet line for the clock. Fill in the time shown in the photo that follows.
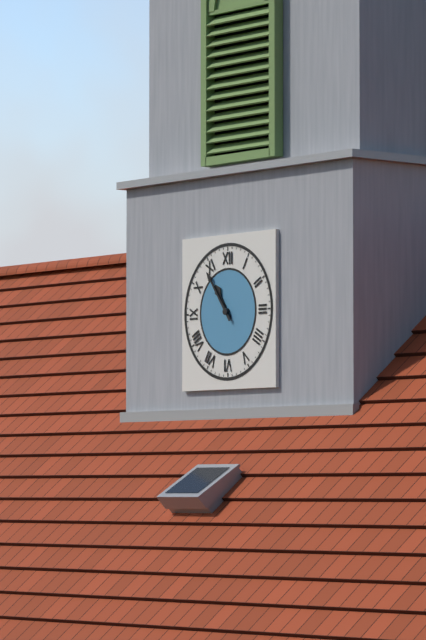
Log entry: 10:54
